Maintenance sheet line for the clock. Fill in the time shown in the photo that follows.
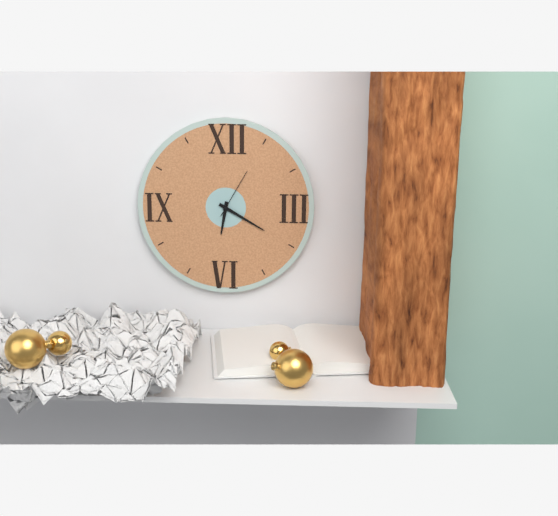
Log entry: 6:20:05
